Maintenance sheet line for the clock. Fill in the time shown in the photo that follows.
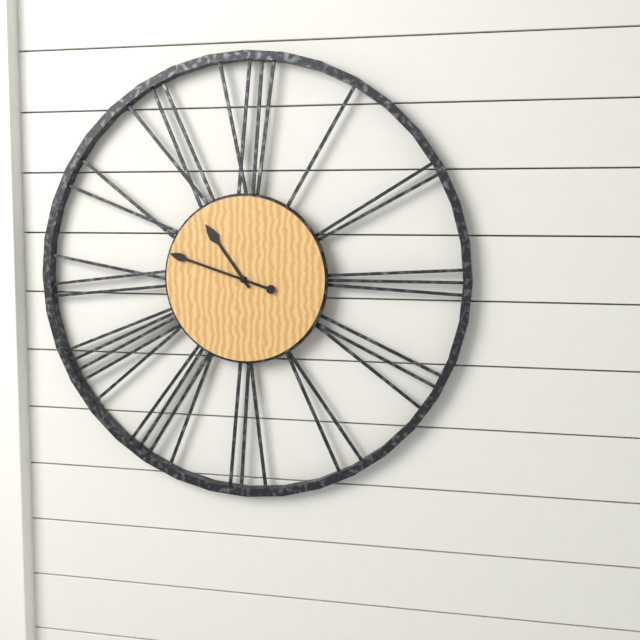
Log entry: 10:48
